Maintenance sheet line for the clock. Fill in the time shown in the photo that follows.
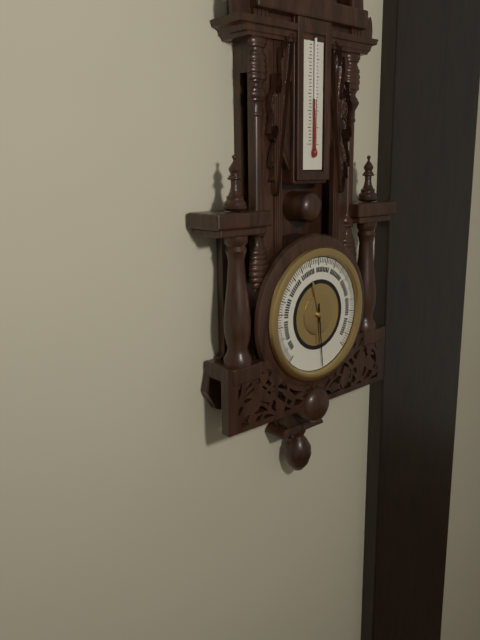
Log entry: 11:29
